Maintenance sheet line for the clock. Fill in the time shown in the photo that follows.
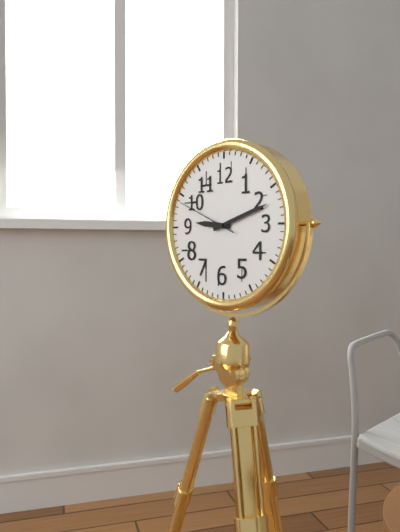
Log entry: 9:12:49
